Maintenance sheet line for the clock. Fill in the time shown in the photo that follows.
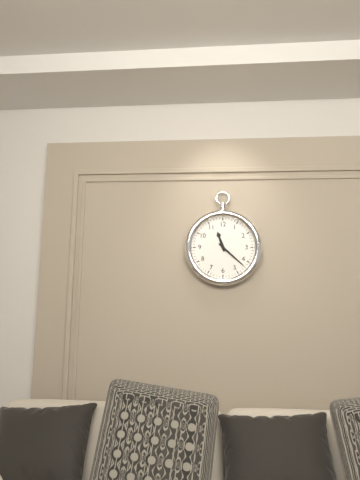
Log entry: 11:22
